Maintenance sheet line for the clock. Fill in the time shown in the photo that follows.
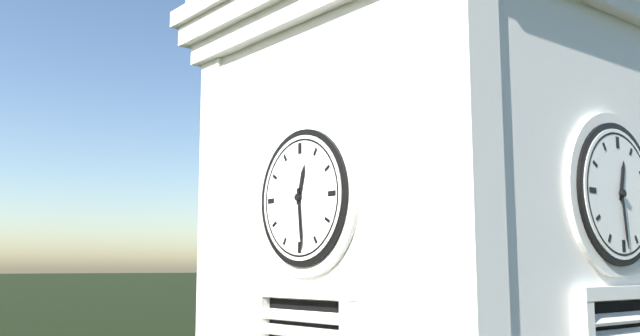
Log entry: 12:29
